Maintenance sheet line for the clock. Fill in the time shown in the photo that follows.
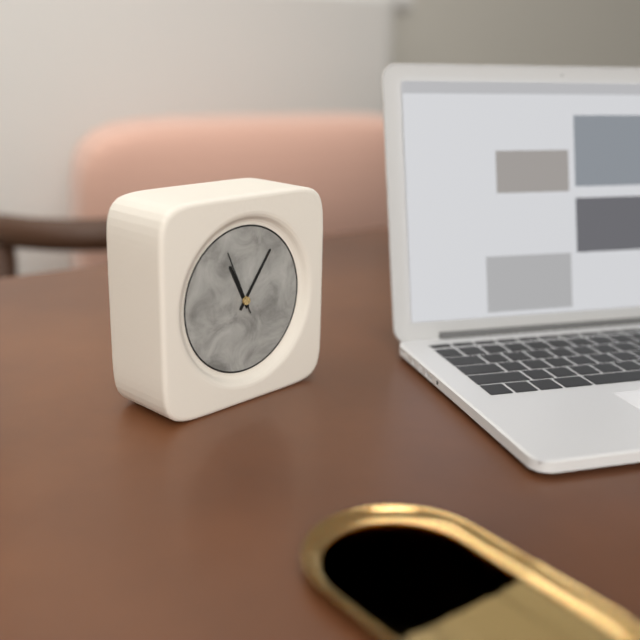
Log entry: 11:06:56
